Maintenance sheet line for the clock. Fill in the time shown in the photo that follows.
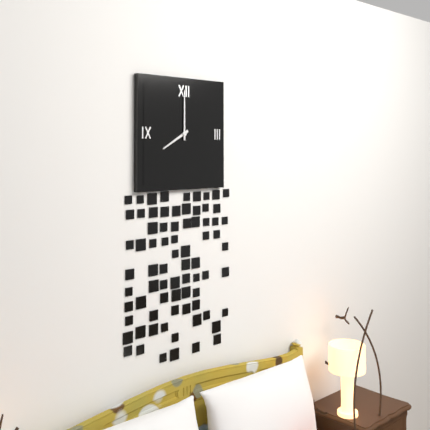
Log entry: 8:00
